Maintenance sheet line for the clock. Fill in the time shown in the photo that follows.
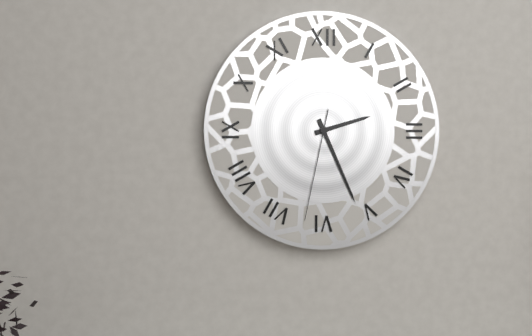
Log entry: 2:26:32
